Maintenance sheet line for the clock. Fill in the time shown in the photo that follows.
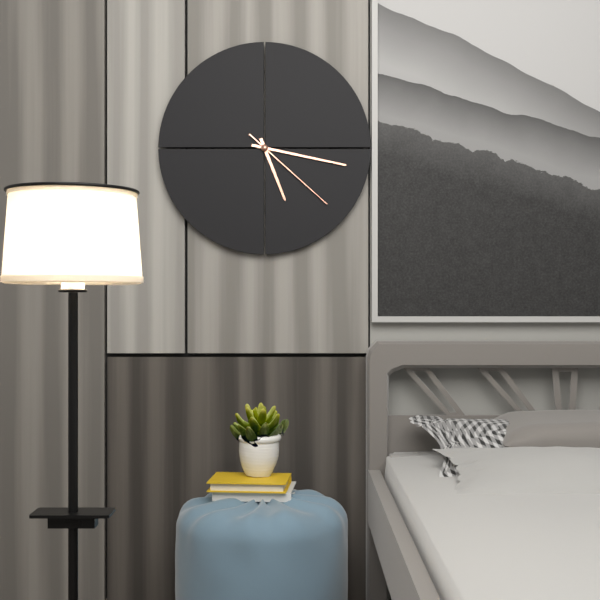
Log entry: 5:17:22
